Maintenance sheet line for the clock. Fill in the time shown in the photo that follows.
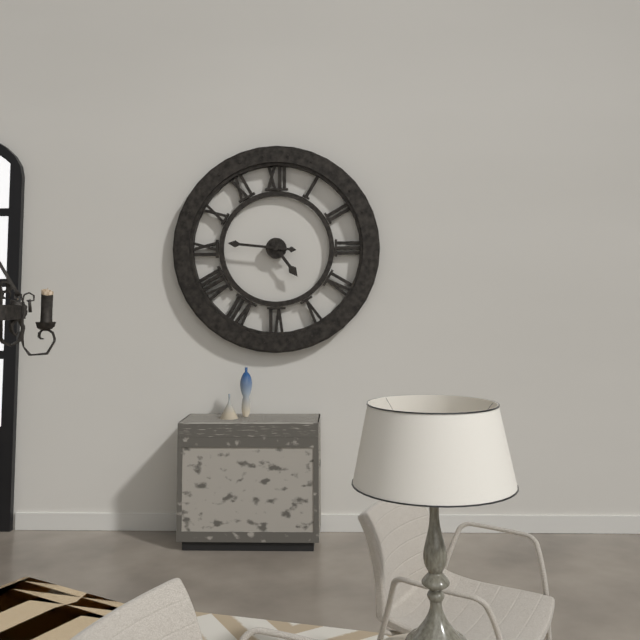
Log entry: 4:46
